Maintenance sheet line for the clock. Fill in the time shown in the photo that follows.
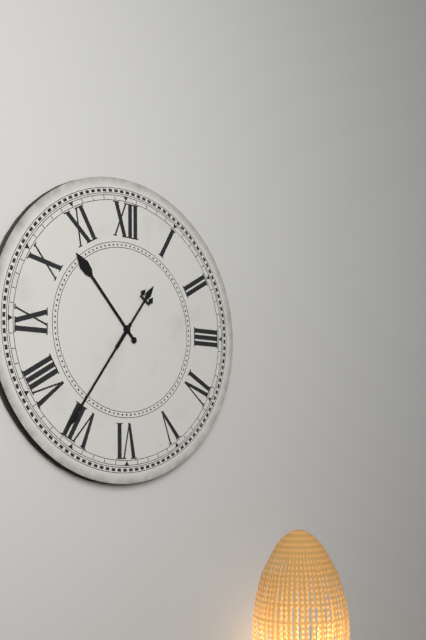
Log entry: 10:36
